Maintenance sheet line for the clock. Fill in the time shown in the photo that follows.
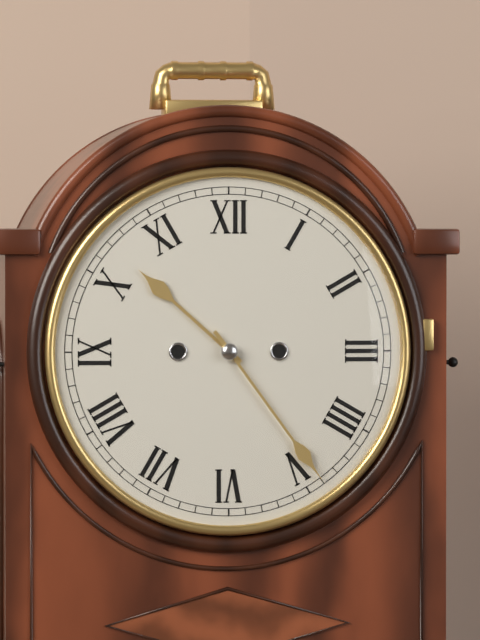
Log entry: 10:24
